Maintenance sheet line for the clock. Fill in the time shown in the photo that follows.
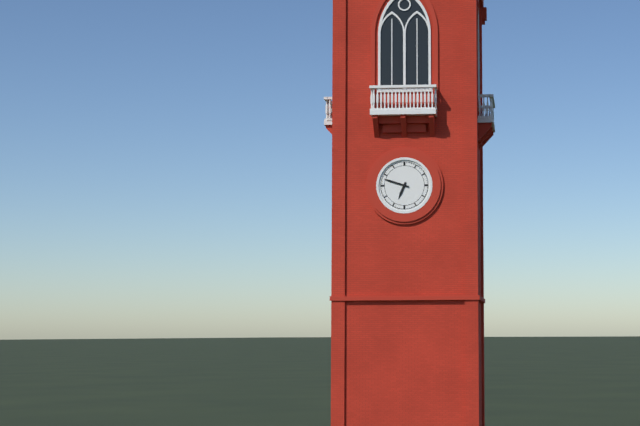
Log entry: 6:48
